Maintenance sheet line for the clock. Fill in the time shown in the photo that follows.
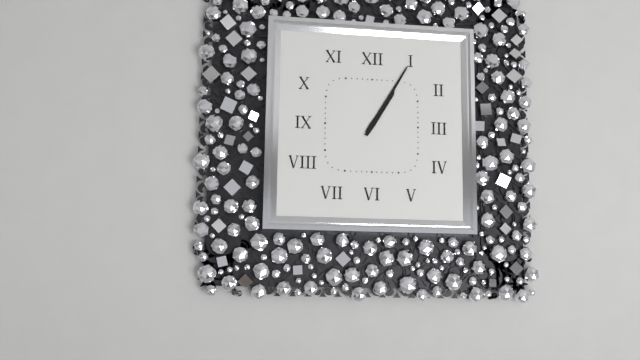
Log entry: 1:05
